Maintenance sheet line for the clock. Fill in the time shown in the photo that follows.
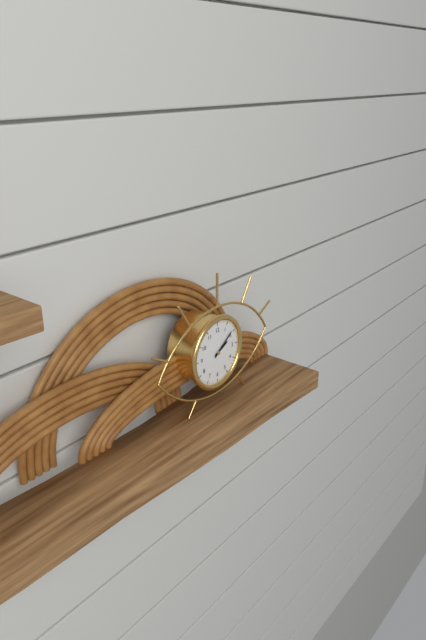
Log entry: 2:09
